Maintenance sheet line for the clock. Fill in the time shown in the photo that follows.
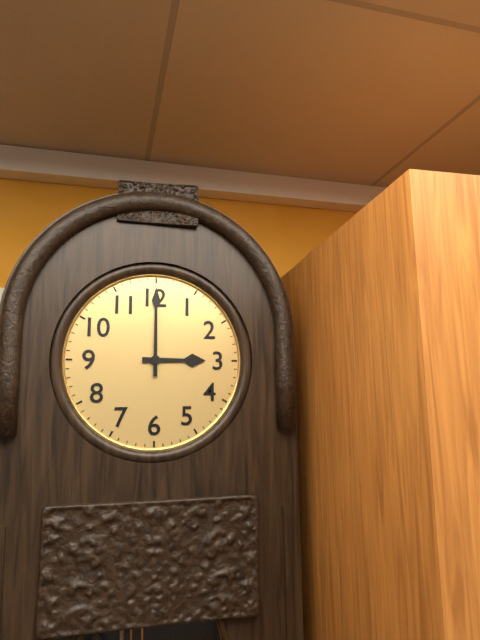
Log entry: 3:00
